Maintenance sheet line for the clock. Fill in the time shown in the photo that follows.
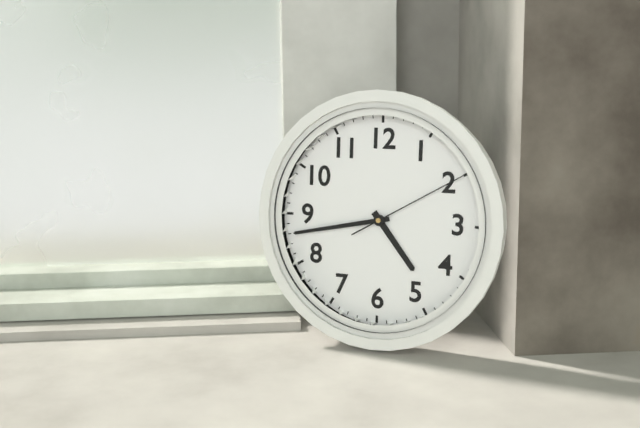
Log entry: 4:43:10
